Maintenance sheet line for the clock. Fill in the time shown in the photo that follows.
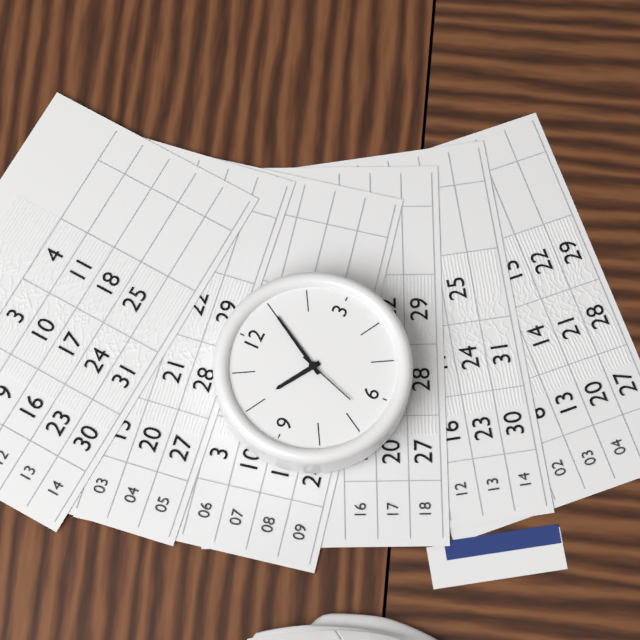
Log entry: 10:05:33
